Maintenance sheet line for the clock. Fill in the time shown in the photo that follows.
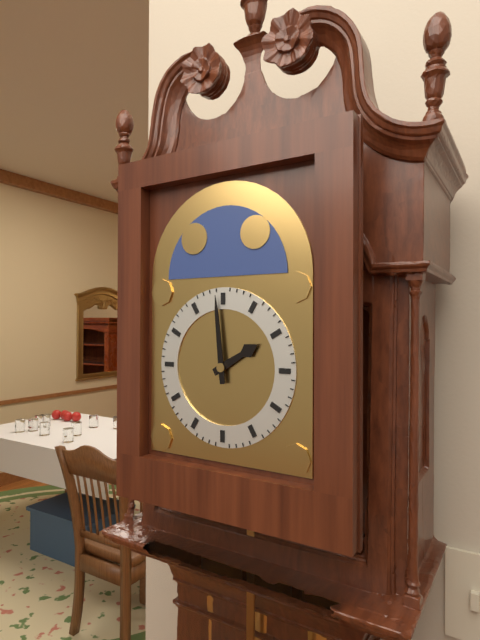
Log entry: 1:59
